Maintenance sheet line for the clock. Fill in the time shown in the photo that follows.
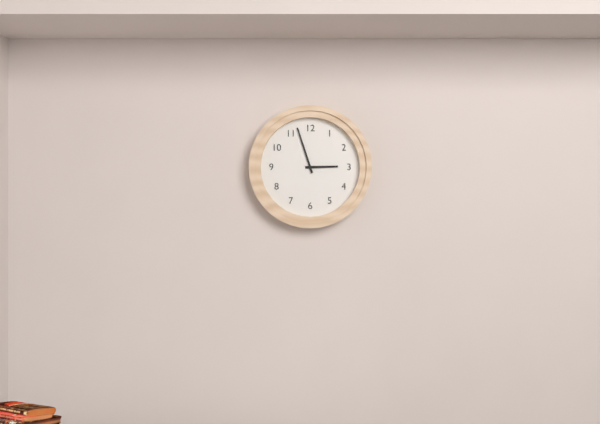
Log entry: 2:57
